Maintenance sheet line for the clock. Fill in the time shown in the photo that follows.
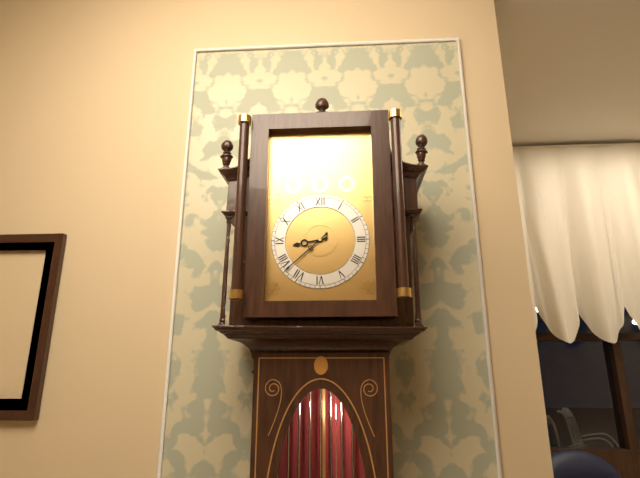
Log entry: 8:38
